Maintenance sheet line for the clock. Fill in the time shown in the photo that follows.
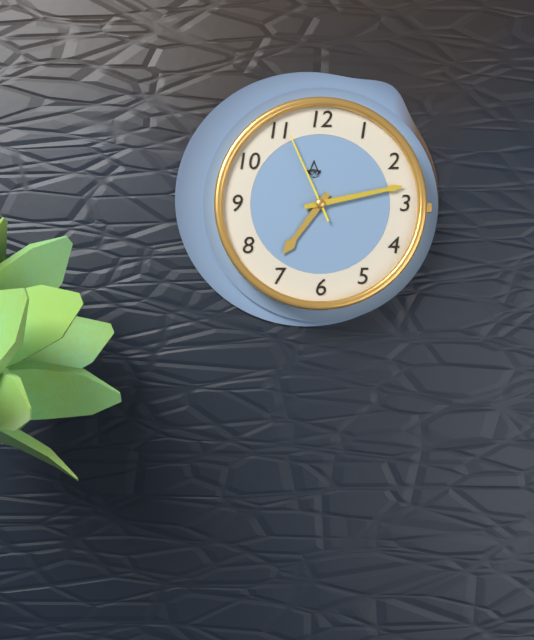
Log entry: 7:13:56
